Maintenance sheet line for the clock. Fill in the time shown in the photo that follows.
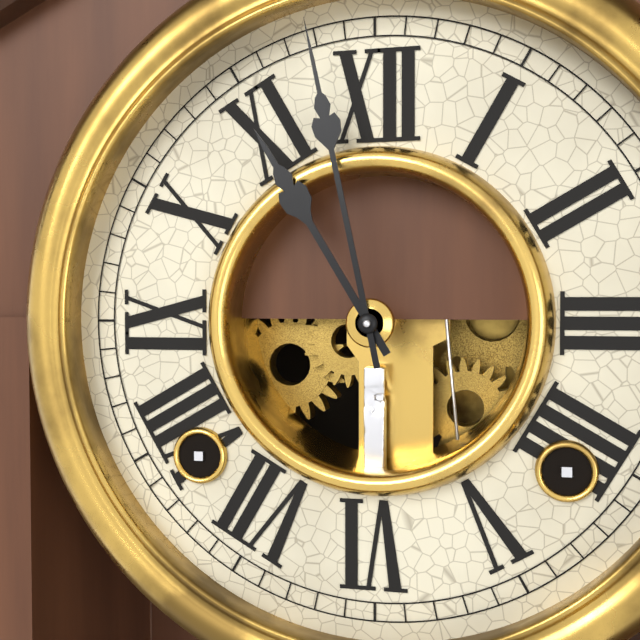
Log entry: 10:58
